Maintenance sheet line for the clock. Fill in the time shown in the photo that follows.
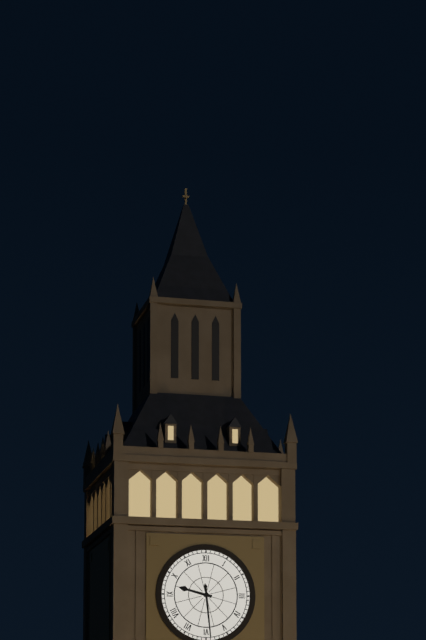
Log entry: 9:29
